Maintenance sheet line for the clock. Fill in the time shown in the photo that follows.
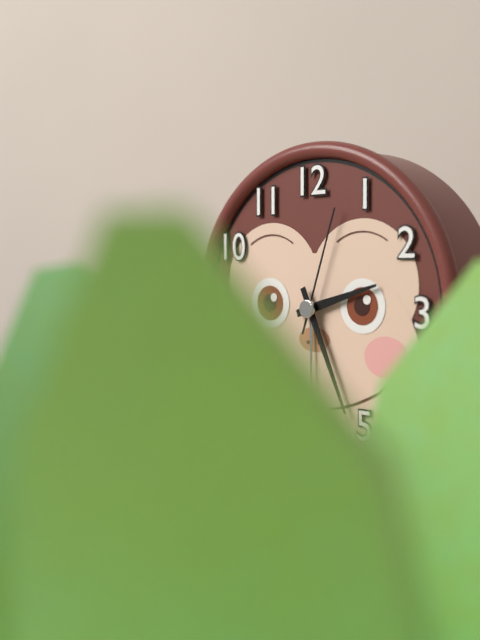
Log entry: 2:26:03
